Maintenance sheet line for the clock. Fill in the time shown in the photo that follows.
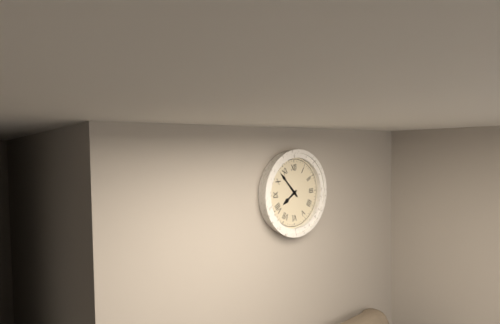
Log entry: 7:53
